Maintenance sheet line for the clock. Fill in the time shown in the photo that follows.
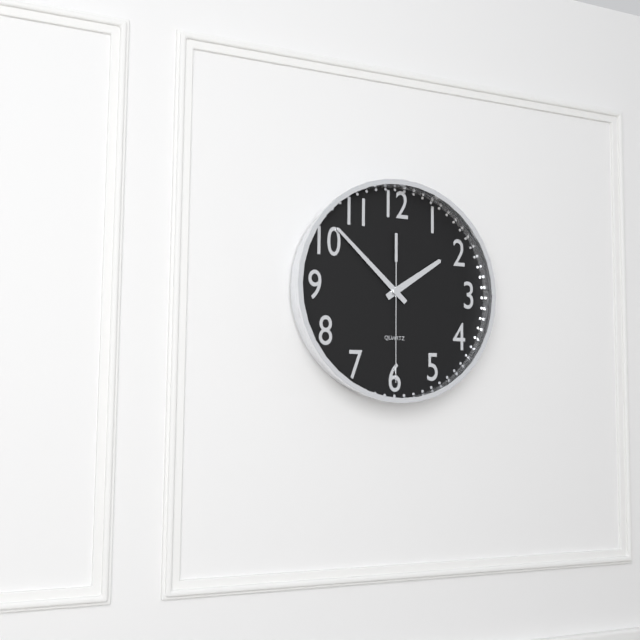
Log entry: 1:52:30
